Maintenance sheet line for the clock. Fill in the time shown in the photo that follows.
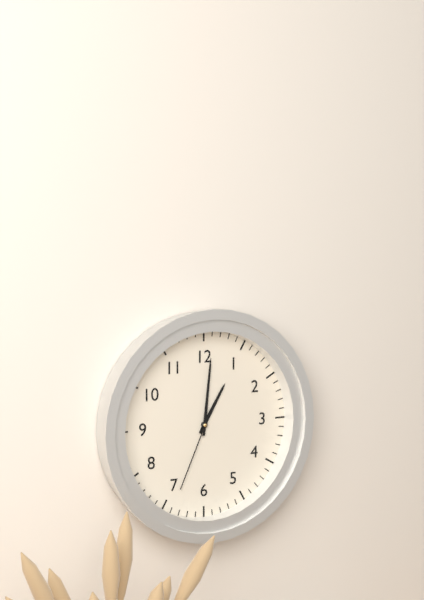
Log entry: 1:01:34
